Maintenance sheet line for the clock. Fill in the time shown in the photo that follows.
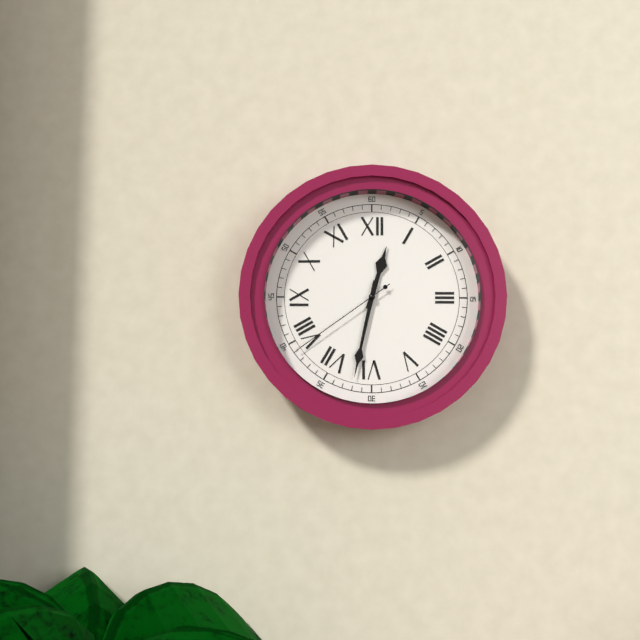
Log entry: 12:32:39
